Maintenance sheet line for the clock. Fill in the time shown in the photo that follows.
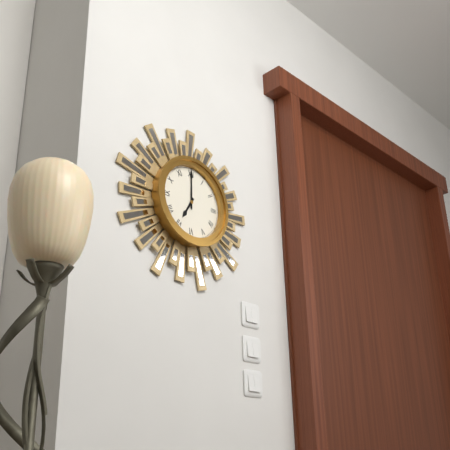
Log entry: 7:00
